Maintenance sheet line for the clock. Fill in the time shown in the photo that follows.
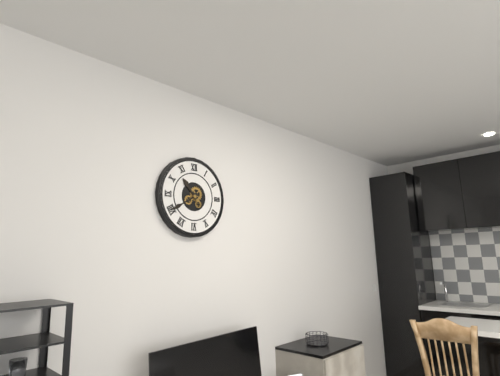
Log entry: 10:40
